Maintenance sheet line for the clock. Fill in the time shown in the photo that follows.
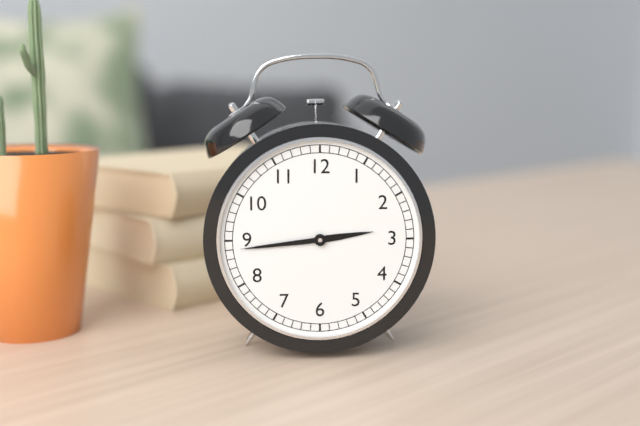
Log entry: 2:44
